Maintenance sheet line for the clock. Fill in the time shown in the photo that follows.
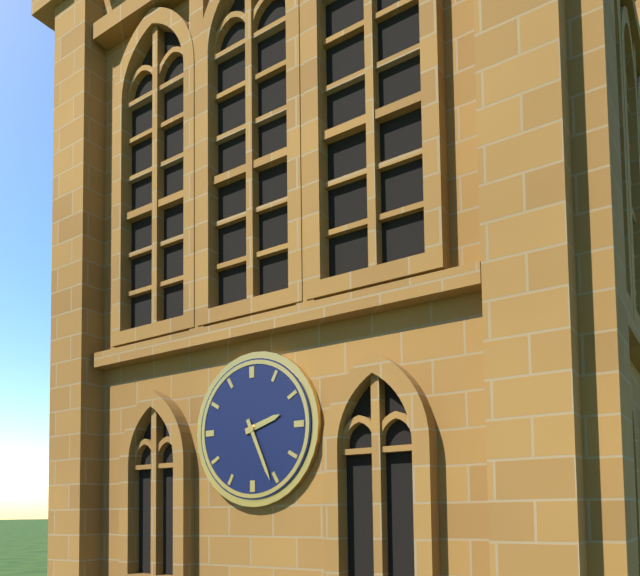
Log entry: 2:26
